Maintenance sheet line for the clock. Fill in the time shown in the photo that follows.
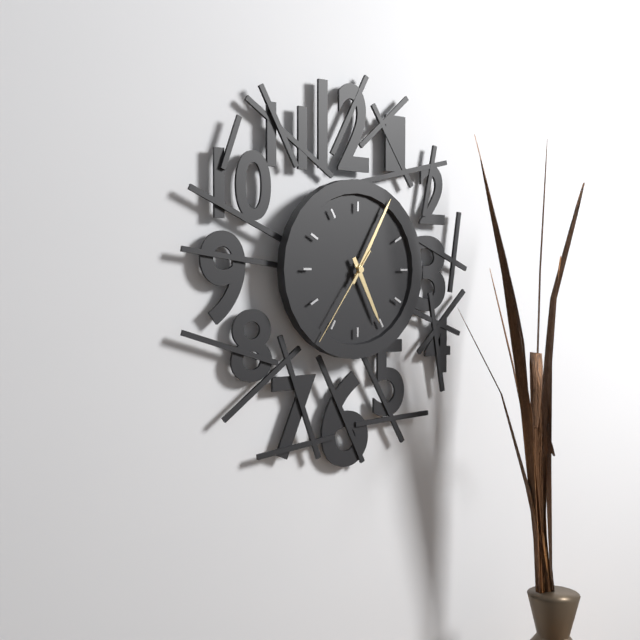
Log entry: 5:05:36
